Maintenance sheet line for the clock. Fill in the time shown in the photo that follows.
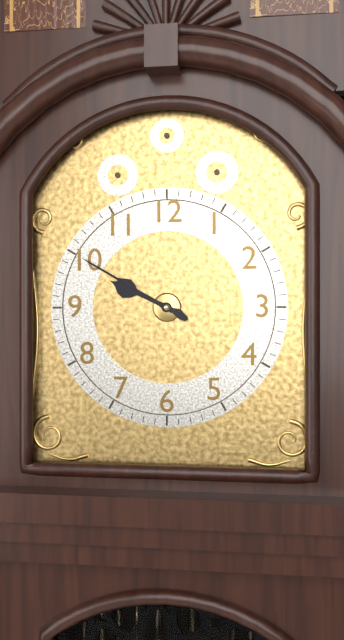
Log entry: 9:50
